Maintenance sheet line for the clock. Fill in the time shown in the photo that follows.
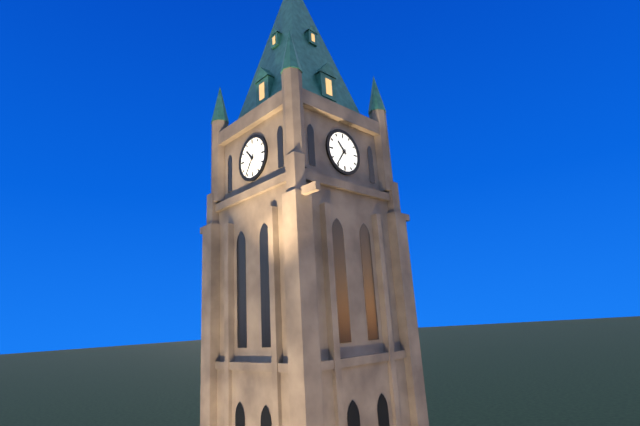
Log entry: 10:36
